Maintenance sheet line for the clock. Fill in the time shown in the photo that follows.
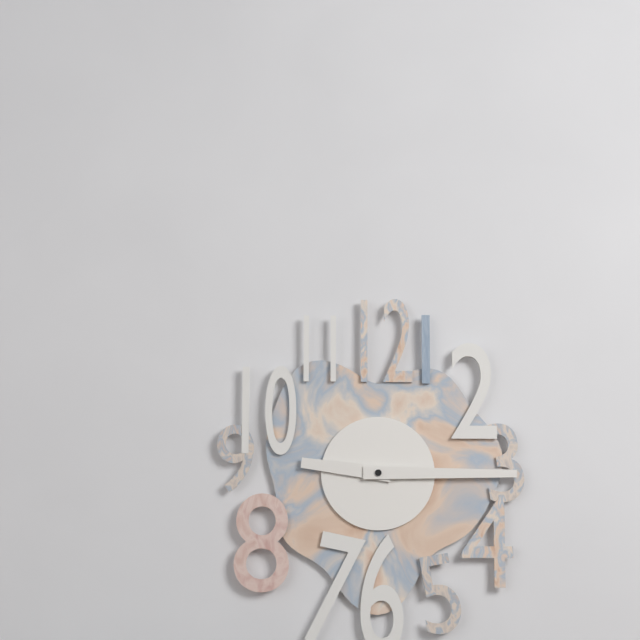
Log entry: 9:15
